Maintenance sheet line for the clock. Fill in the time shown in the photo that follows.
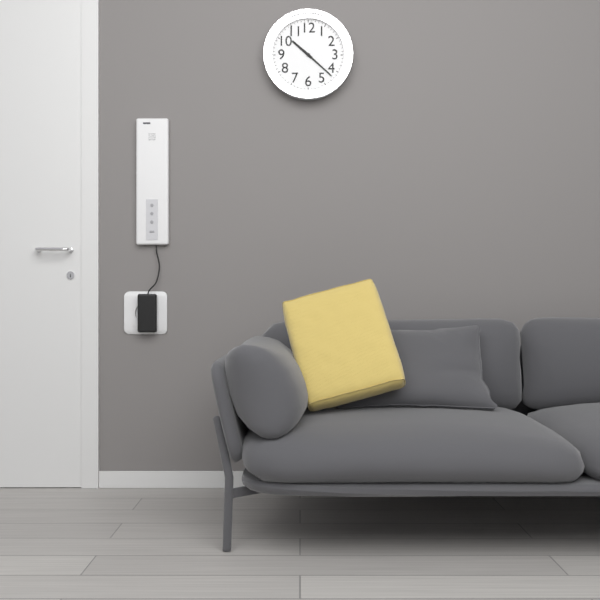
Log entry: 10:22
